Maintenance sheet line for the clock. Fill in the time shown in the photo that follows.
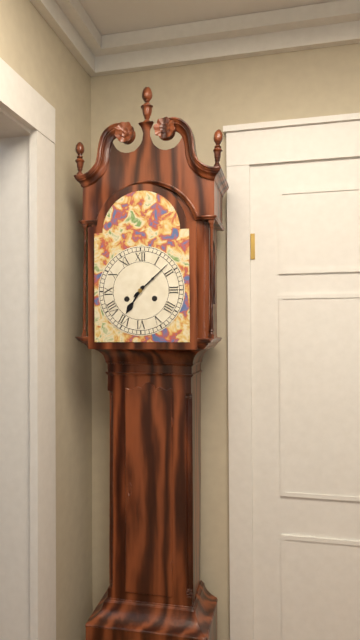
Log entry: 7:08
